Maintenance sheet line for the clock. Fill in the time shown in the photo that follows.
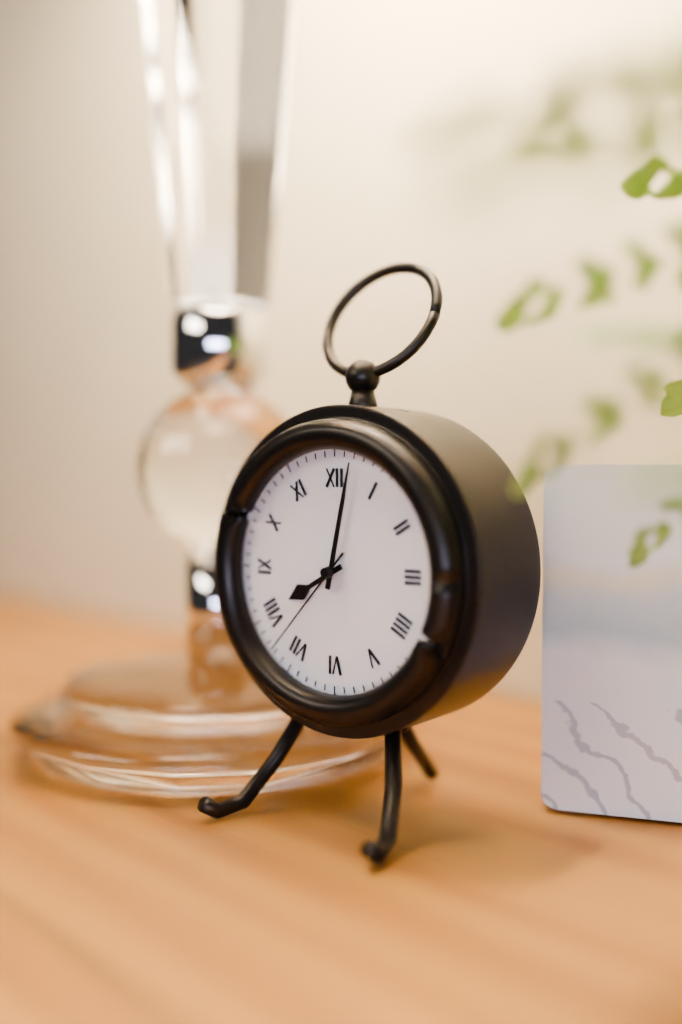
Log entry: 8:02:37
